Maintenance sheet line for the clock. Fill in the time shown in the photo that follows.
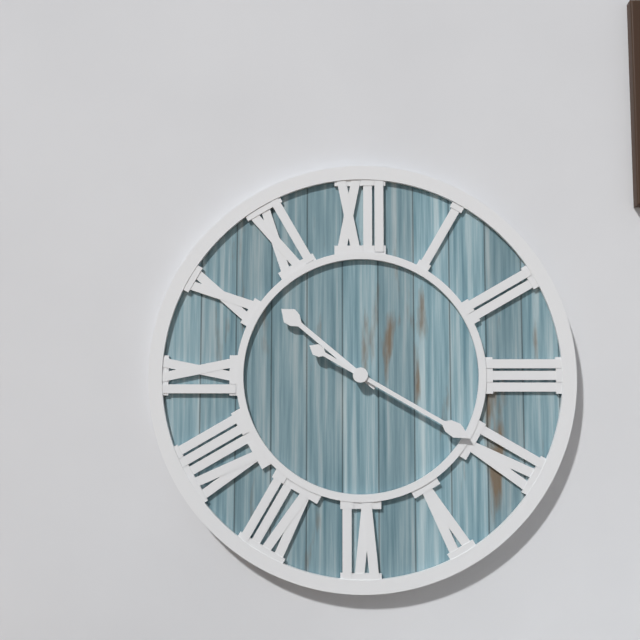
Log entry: 10:20
